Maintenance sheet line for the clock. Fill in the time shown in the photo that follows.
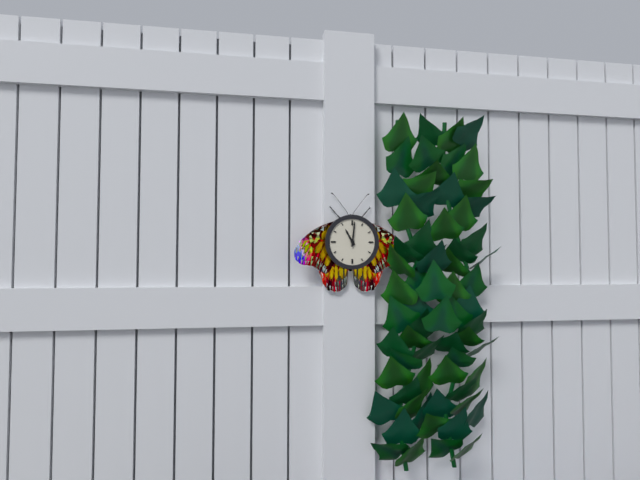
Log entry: 11:01
